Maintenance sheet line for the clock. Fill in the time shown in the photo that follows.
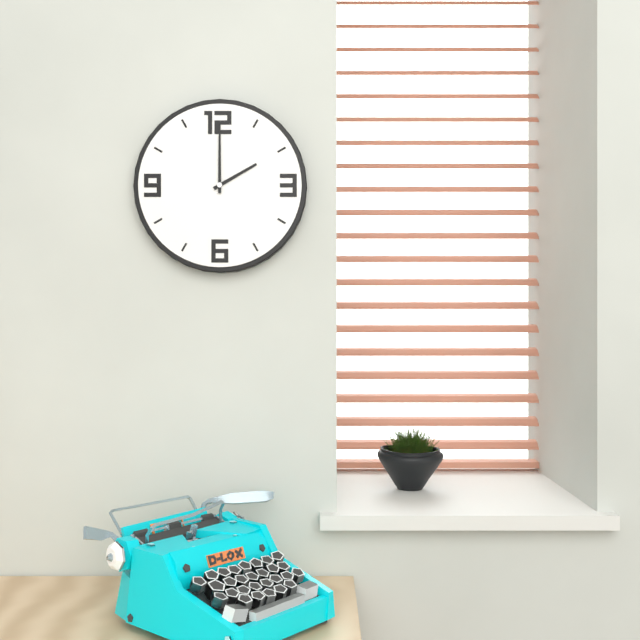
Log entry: 2:00
